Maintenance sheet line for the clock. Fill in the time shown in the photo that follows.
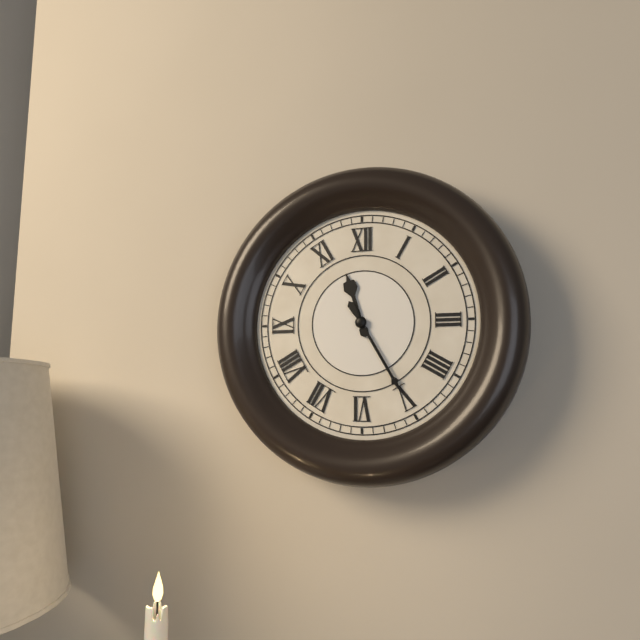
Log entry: 11:25
